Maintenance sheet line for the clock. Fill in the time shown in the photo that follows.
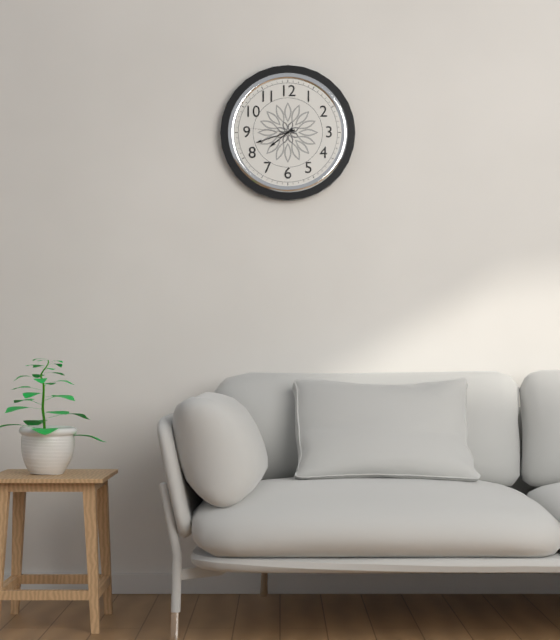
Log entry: 7:42
